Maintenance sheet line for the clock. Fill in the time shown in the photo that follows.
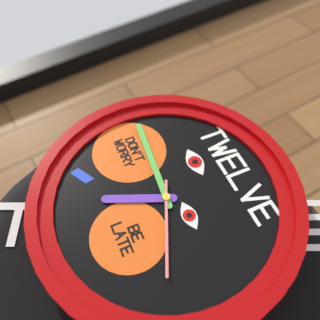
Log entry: 6:46:19
